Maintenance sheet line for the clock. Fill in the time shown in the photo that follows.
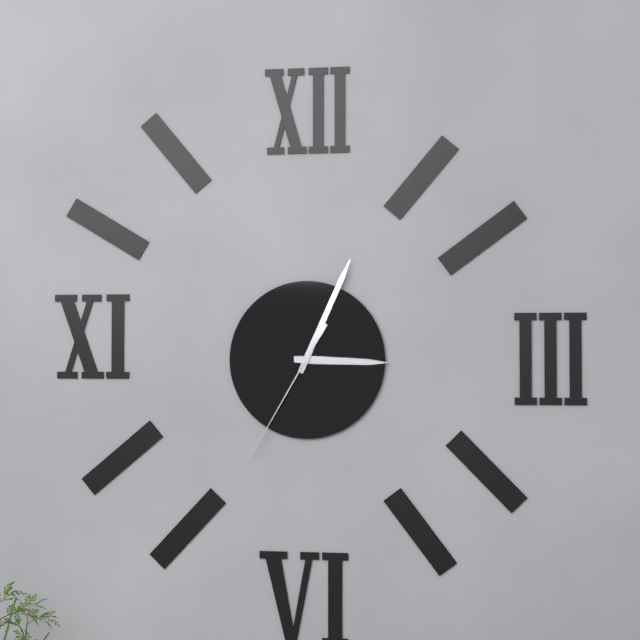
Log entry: 3:04:35
